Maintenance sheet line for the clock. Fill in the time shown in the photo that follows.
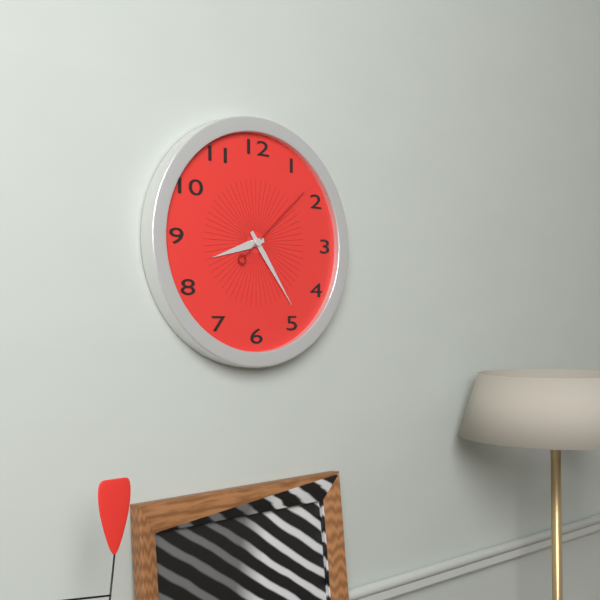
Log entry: 8:24:08
